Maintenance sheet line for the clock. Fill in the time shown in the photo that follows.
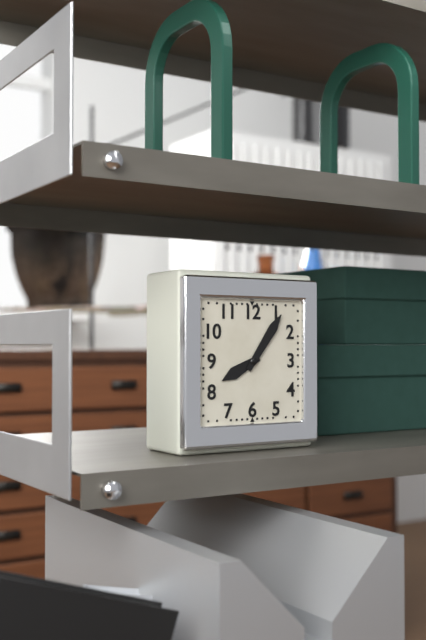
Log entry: 8:06
